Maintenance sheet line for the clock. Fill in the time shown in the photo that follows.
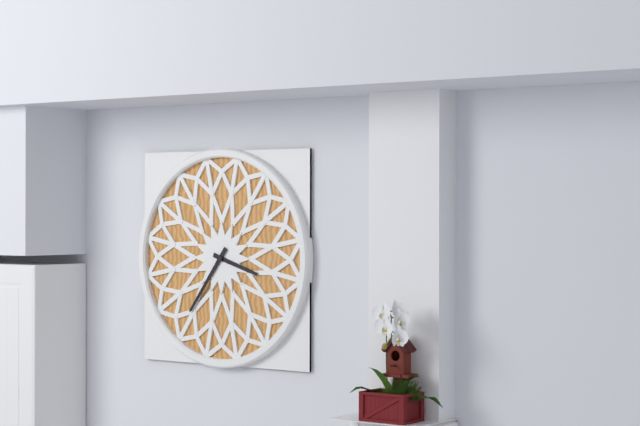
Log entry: 3:36
